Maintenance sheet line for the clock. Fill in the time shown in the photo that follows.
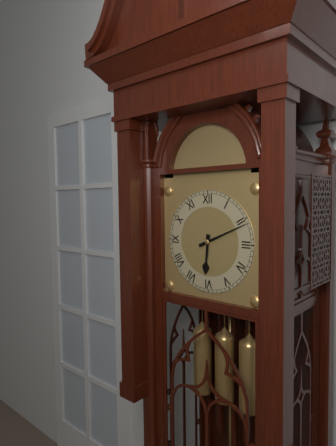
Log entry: 6:11
